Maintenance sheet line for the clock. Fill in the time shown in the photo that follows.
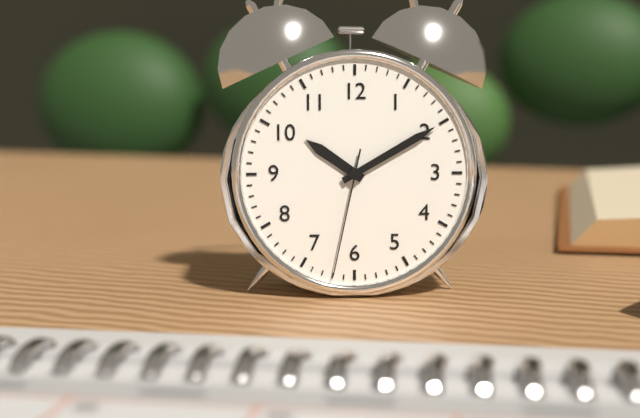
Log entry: 10:10:32
